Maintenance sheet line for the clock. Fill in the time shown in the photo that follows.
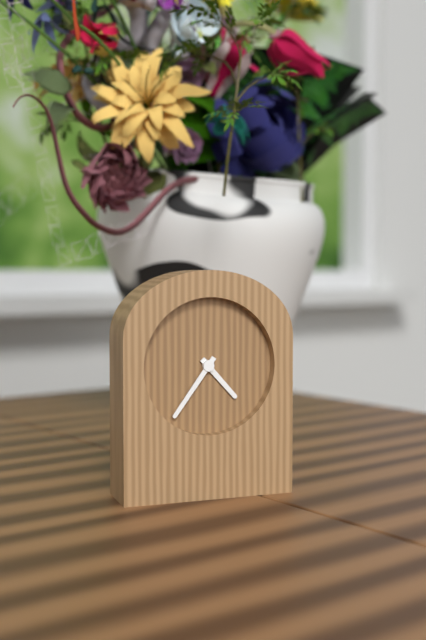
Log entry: 4:36
